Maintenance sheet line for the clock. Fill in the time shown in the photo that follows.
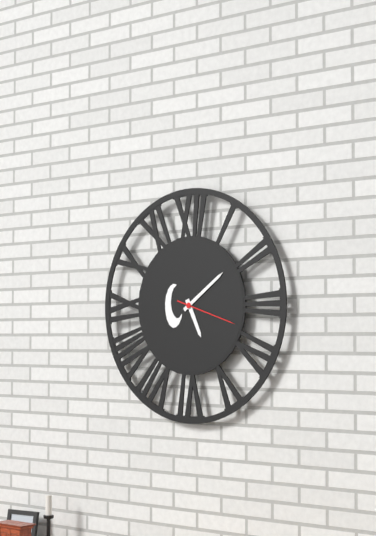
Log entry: 5:09:18
